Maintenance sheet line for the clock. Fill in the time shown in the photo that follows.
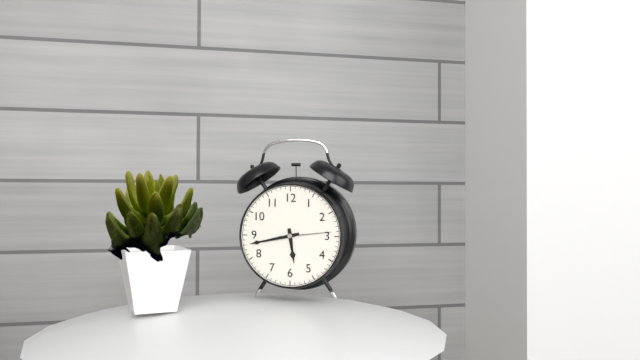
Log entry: 5:43:14
